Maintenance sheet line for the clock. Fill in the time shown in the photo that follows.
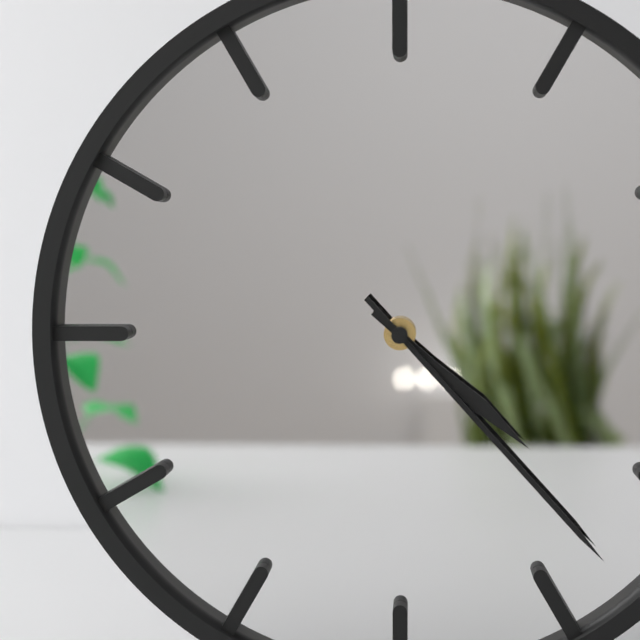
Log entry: 4:23
